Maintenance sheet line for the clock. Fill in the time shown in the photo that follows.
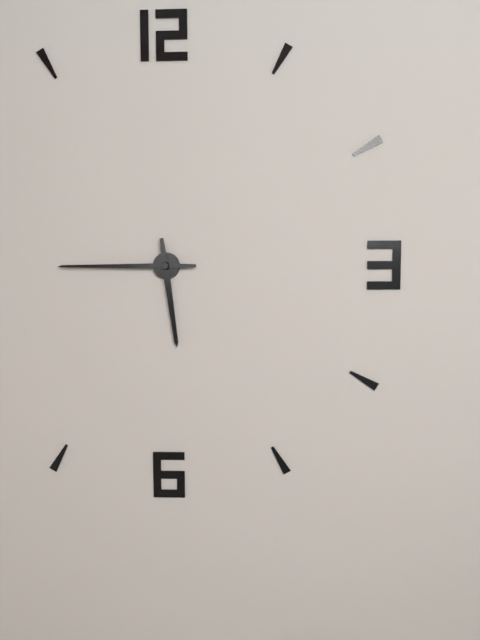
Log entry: 5:45
